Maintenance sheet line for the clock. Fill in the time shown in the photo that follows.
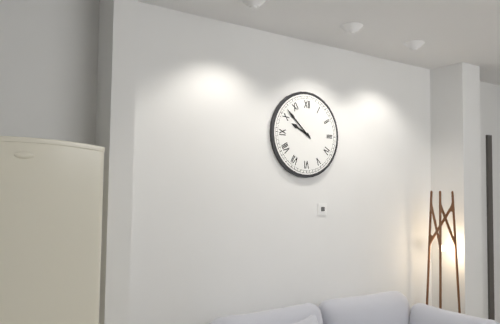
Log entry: 9:52
